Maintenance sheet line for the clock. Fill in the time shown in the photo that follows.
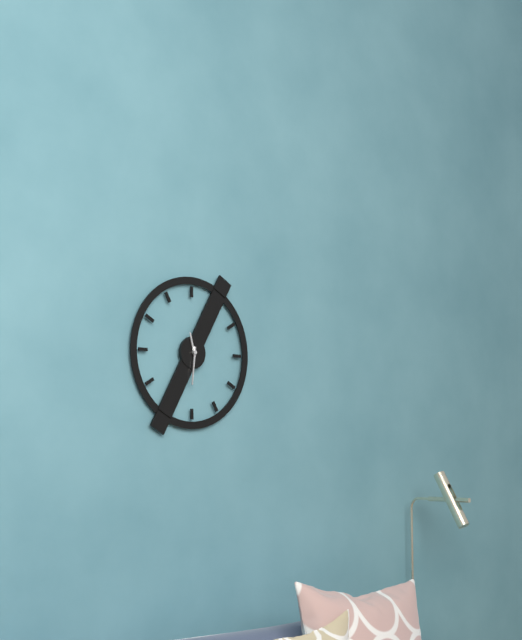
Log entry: 11:31
